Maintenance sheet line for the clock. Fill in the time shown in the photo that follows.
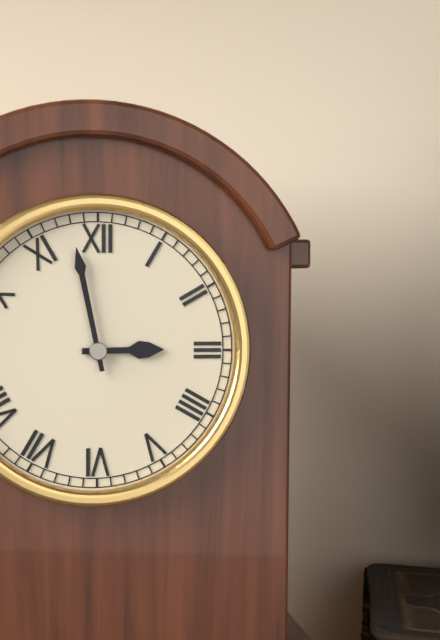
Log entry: 2:58
